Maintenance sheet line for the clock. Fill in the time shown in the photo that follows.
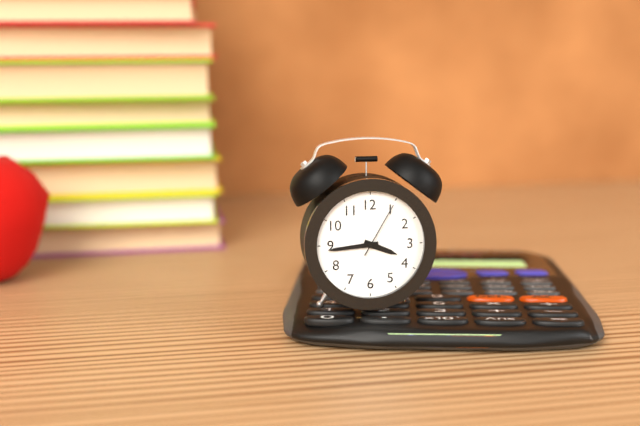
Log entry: 3:44:05
